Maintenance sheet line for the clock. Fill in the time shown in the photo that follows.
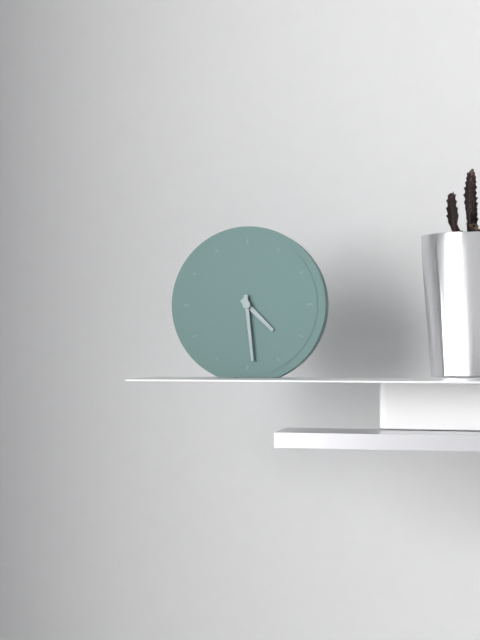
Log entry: 4:29
